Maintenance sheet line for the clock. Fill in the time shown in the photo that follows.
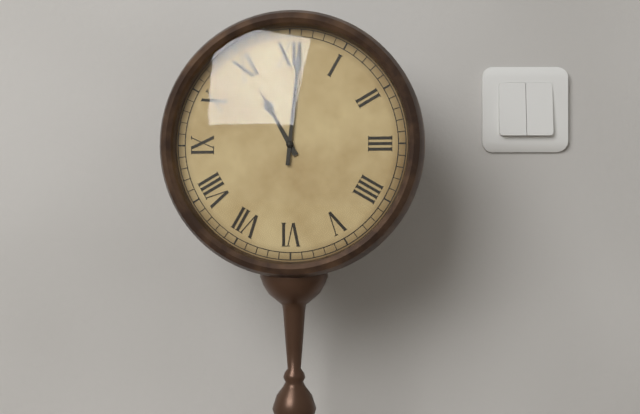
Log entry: 11:01
